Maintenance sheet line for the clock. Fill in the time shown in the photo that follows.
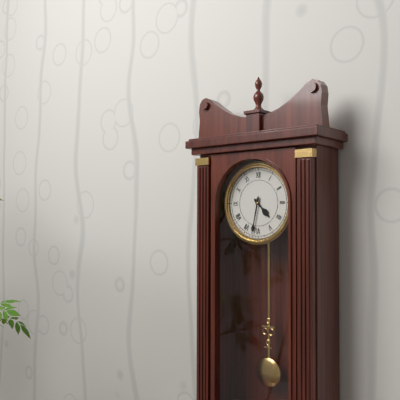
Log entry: 4:32
